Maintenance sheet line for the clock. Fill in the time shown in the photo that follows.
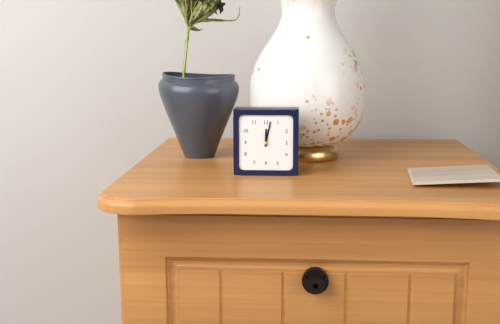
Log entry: 12:02
